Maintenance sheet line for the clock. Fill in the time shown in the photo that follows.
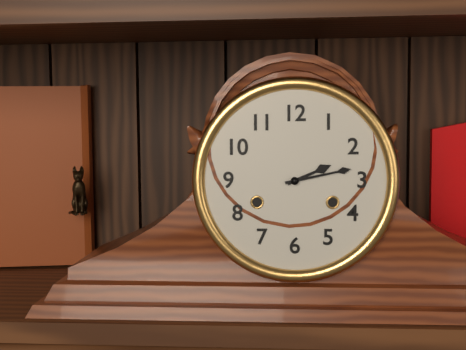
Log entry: 2:13
